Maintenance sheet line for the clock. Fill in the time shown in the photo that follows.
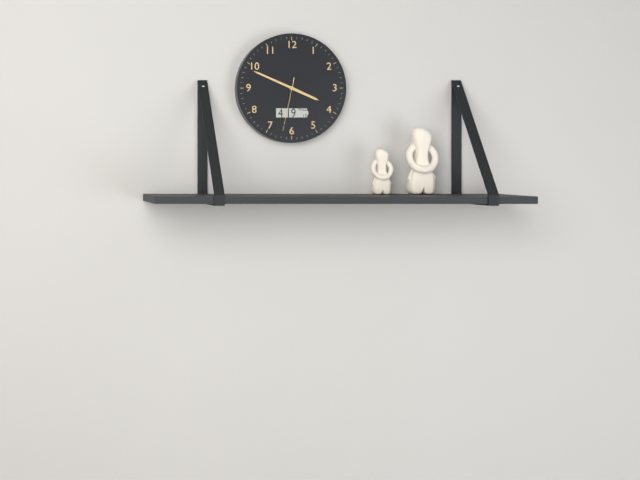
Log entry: 3:49:32
